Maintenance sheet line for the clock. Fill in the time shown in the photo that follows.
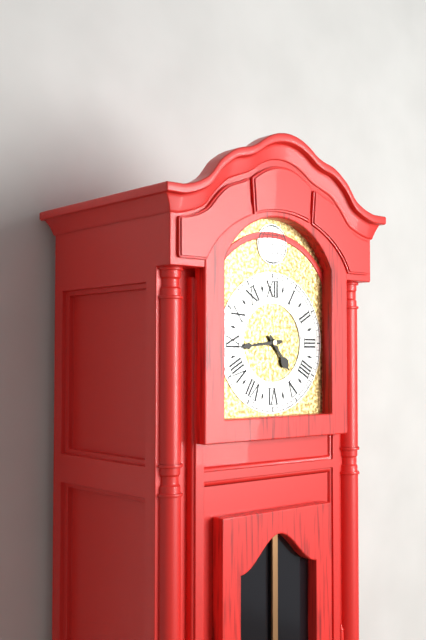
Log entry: 4:44
